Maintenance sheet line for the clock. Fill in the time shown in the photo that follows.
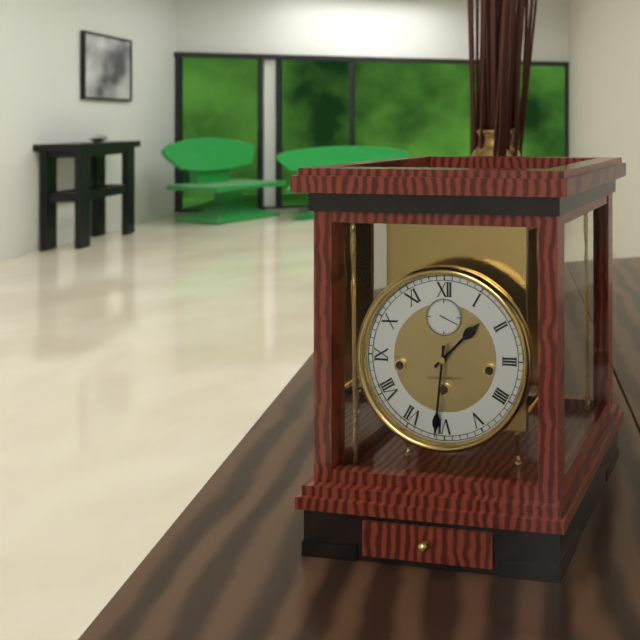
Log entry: 1:31
